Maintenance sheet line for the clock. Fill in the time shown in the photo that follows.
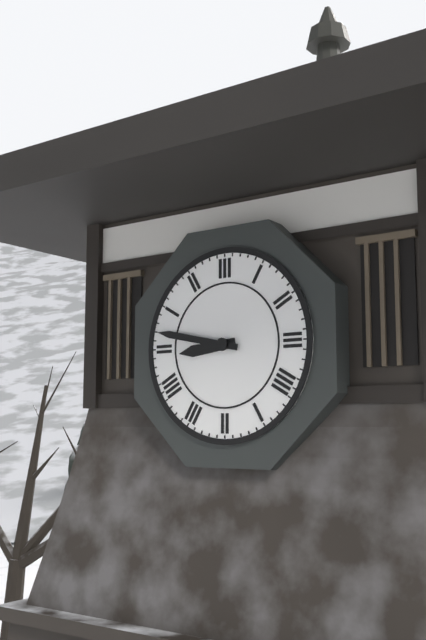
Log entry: 8:47
